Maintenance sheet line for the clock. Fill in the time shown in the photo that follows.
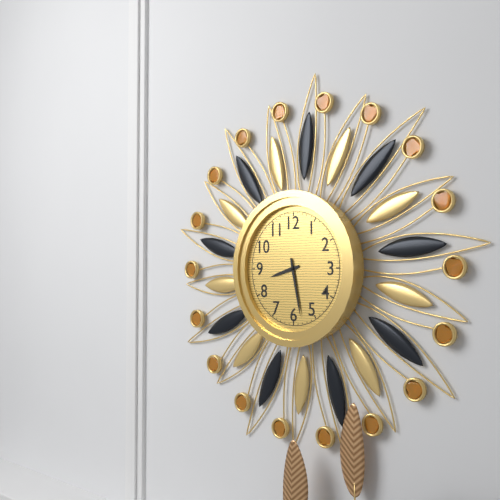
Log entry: 8:28
